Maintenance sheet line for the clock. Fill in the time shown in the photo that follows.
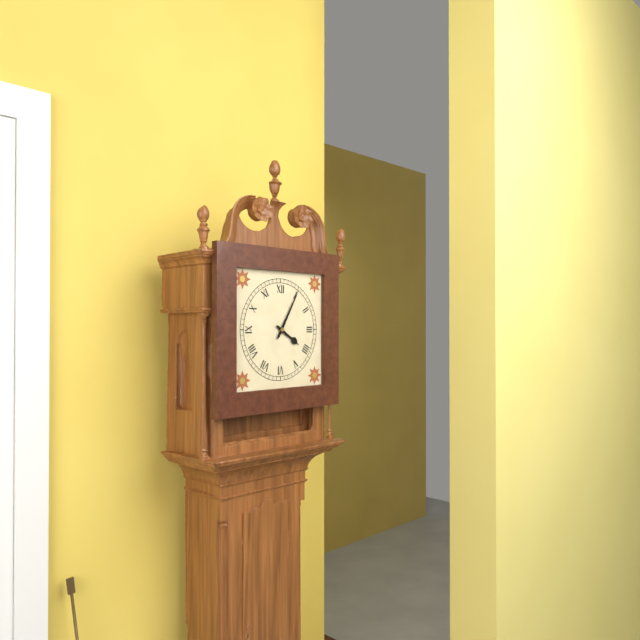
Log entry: 4:05
